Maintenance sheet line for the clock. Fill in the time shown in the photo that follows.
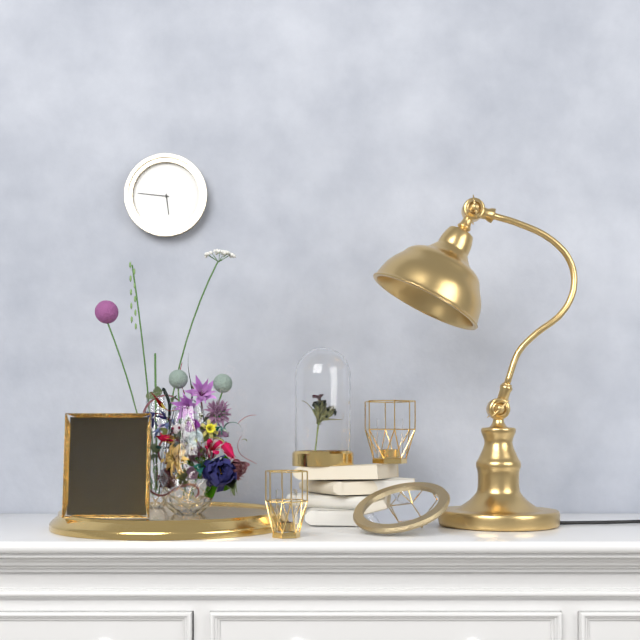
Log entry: 5:46
